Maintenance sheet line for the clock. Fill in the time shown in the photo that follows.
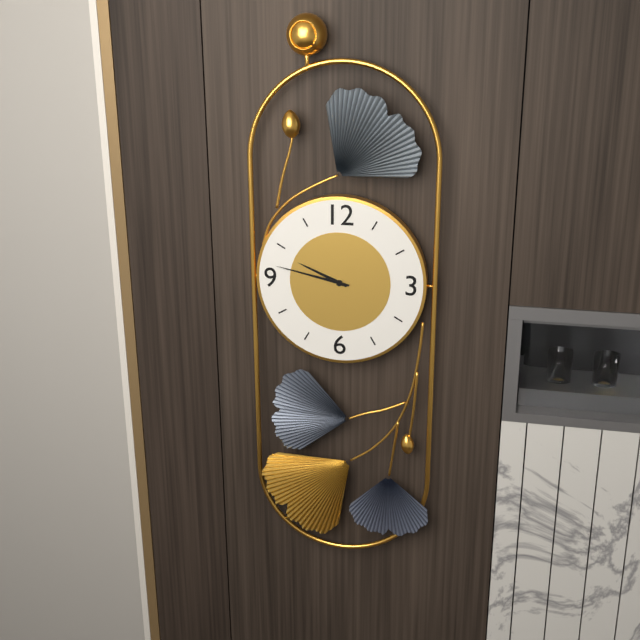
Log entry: 9:47
